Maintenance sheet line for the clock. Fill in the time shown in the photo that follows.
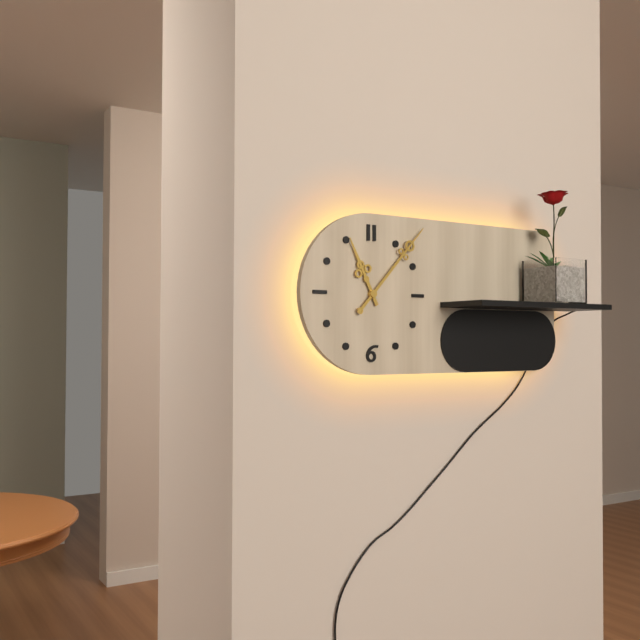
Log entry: 11:07
